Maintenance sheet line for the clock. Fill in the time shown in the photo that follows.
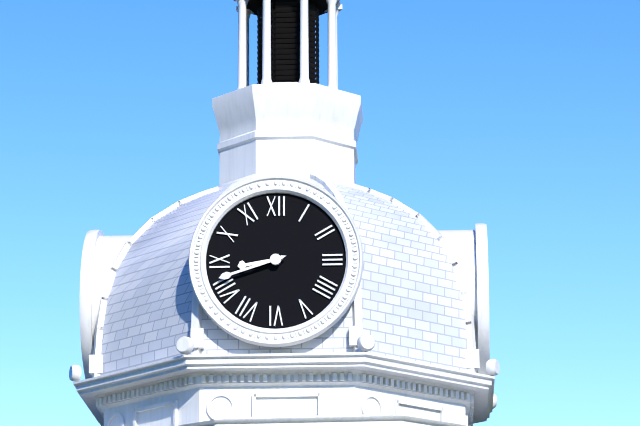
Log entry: 8:42
